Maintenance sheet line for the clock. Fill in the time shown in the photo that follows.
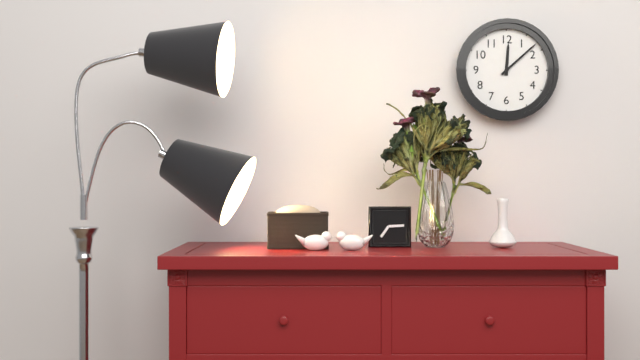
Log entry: 12:08
